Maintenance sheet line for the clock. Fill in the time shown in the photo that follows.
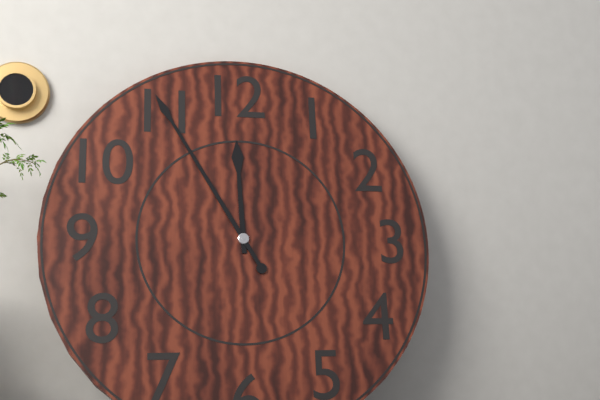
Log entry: 11:55
